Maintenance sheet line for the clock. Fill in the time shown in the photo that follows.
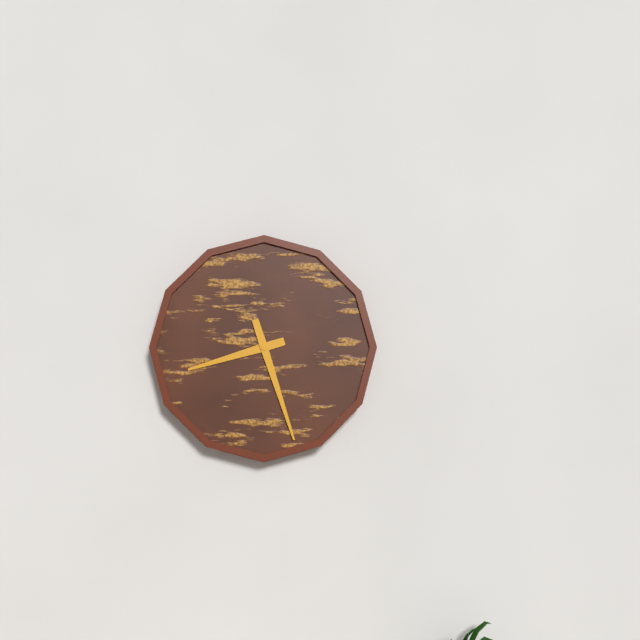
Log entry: 8:27
